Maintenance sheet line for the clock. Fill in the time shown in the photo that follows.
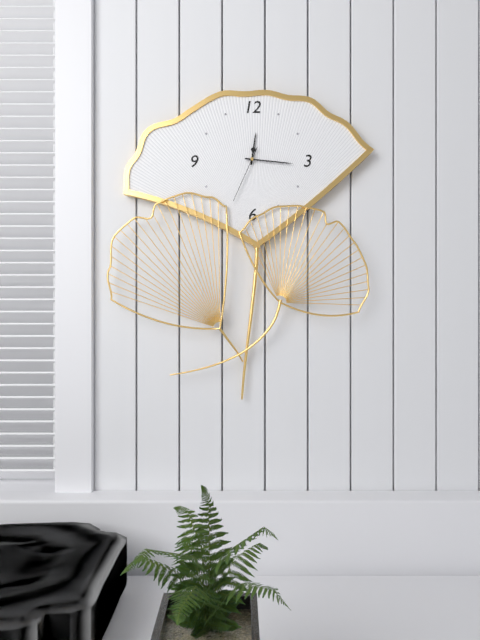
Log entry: 12:16:34
